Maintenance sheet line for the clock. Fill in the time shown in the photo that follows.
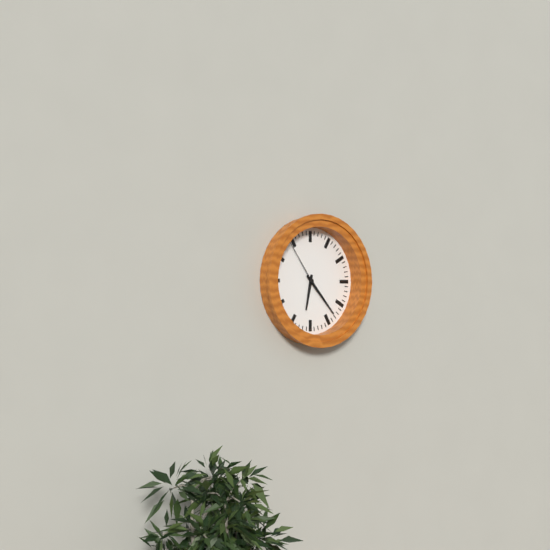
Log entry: 6:23:54
